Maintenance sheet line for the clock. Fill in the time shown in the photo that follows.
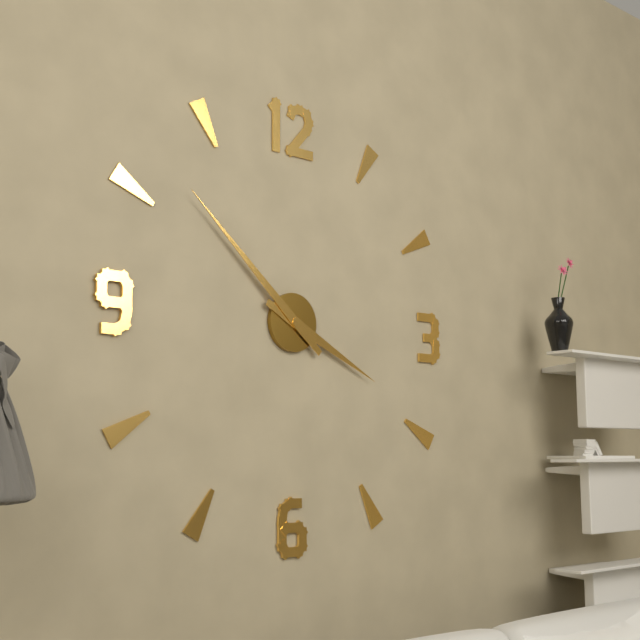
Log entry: 3:52
